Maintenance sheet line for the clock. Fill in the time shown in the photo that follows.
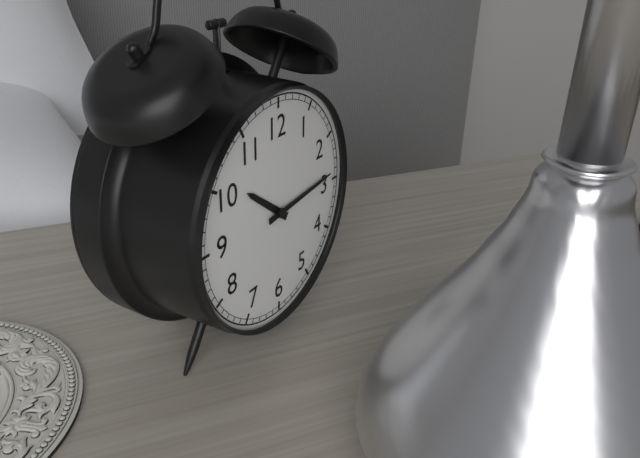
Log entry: 10:14
